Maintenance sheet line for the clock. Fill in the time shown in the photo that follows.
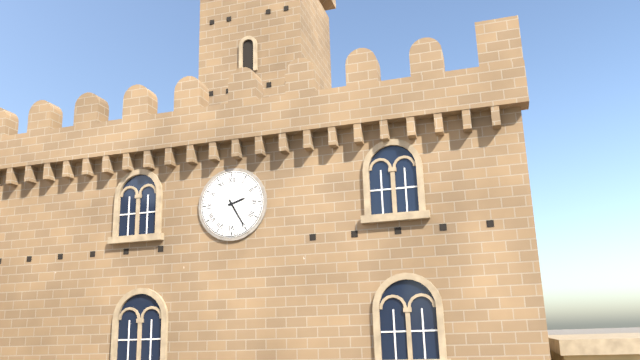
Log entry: 2:25
